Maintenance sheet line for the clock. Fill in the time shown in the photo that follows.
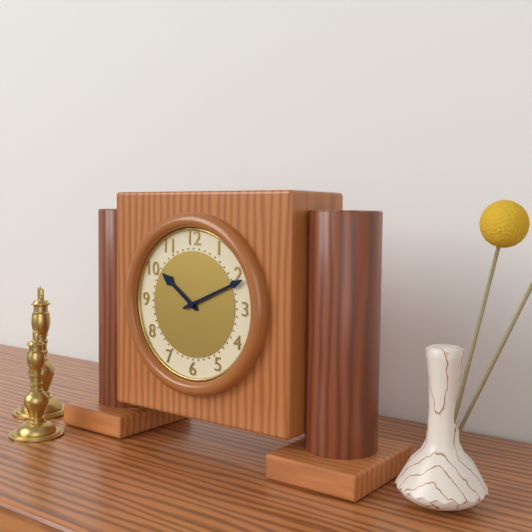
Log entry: 10:11
